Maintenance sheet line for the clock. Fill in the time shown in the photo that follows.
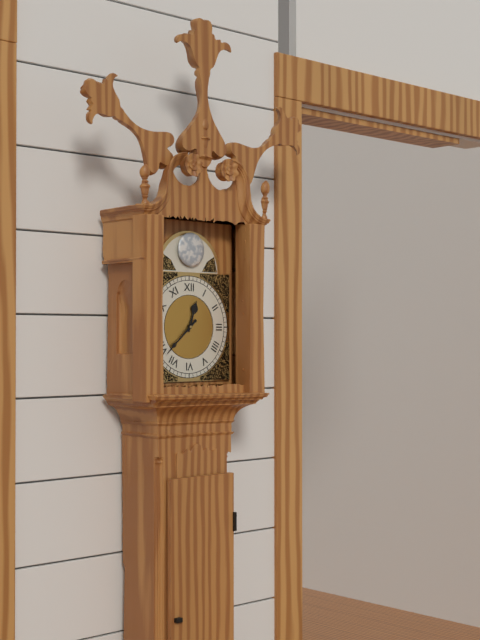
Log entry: 12:38
